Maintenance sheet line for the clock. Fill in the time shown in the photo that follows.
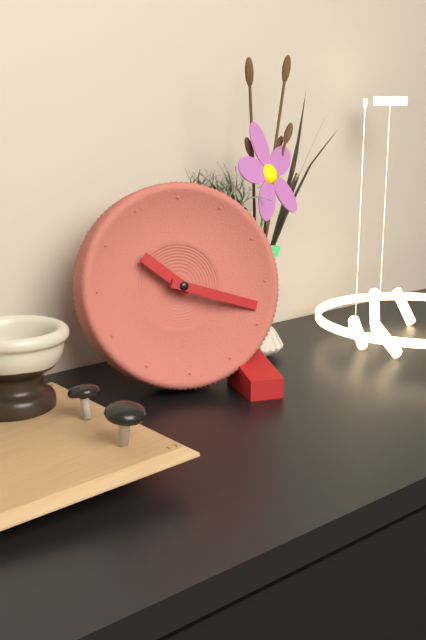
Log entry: 10:18
